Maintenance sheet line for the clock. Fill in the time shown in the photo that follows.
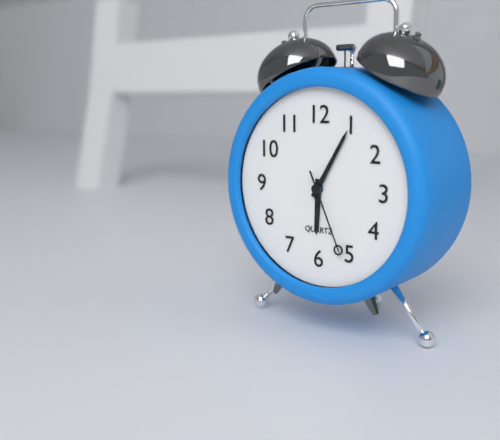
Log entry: 6:05:26
